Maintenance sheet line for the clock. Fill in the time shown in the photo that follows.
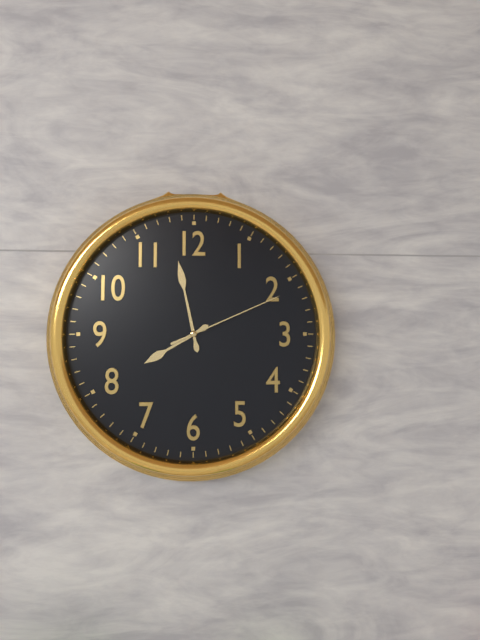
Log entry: 7:58:11
